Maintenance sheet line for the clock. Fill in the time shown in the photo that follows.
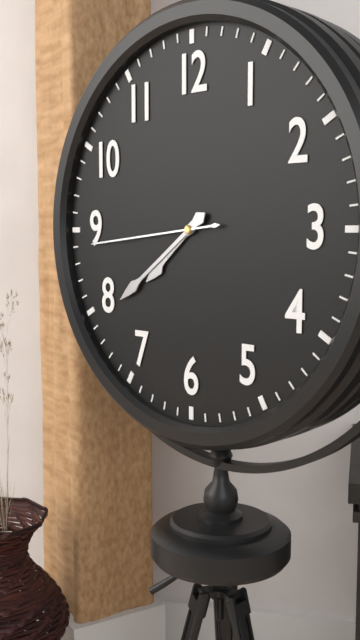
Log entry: 7:39:44
